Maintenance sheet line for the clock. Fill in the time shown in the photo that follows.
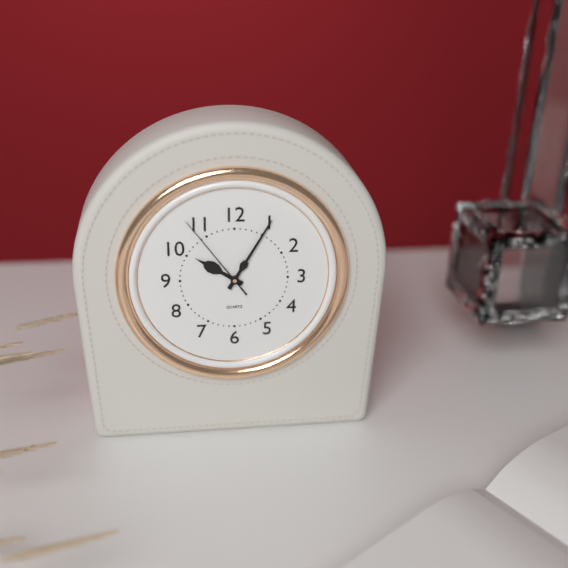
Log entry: 10:05:54
